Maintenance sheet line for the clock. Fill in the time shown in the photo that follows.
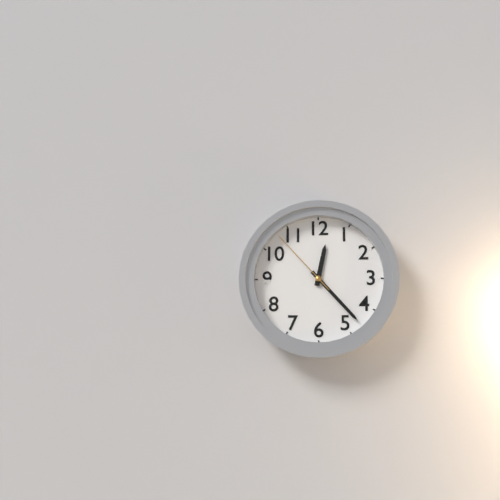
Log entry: 12:23:53
